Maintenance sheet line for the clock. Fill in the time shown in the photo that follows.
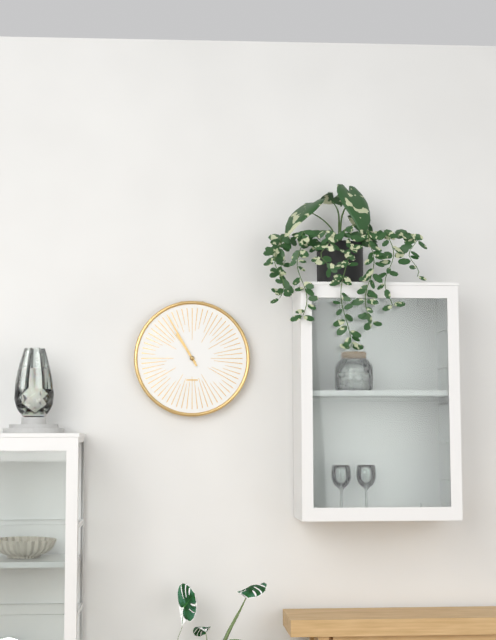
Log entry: 10:55
